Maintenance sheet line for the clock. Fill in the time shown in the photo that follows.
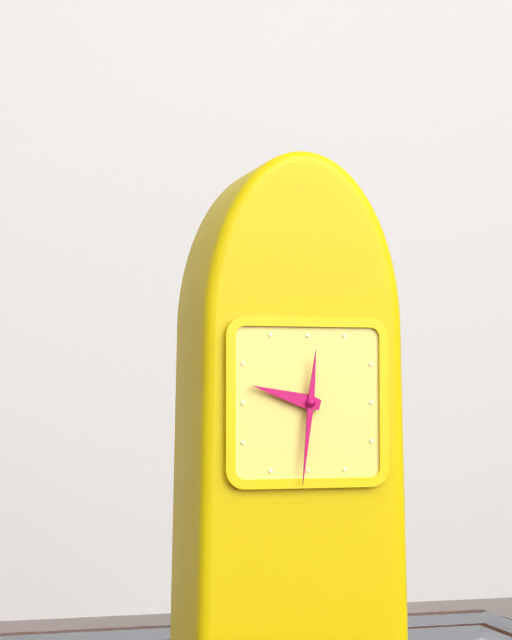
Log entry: 9:31
